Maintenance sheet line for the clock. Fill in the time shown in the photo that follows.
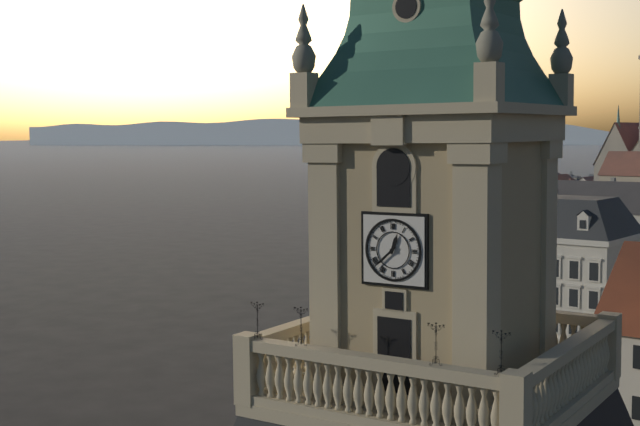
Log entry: 12:38
